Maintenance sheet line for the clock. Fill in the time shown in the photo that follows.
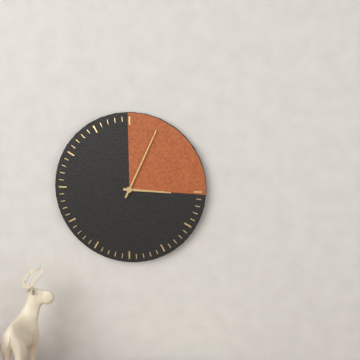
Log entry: 3:04
